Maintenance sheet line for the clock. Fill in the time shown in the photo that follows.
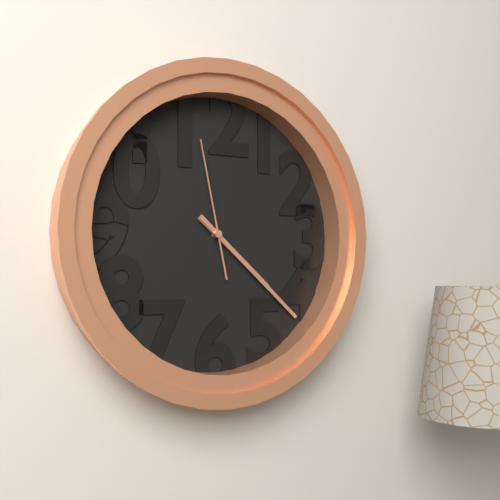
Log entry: 4:22:58
